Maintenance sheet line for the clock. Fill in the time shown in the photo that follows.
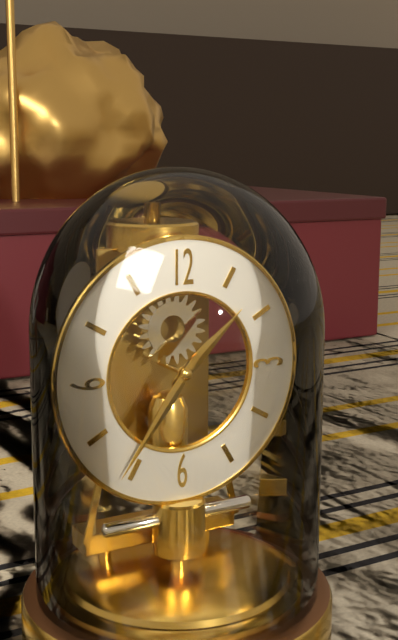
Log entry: 1:36
